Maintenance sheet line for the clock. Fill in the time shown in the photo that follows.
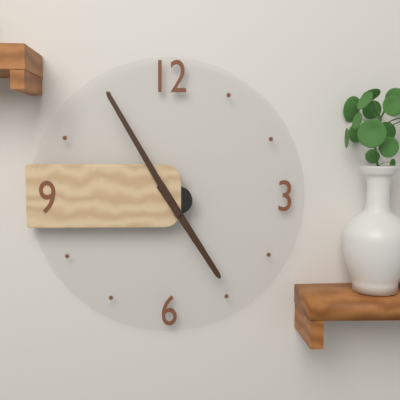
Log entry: 4:55
